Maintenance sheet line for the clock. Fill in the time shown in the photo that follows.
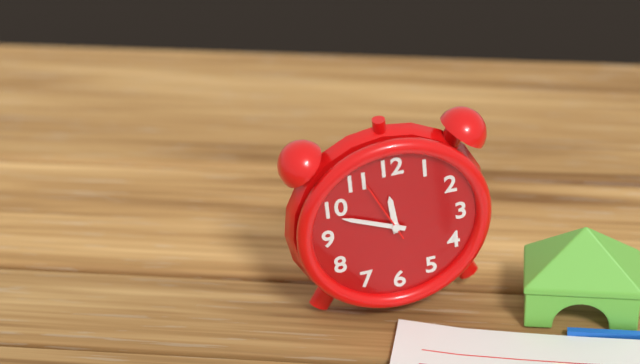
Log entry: 11:49:56
